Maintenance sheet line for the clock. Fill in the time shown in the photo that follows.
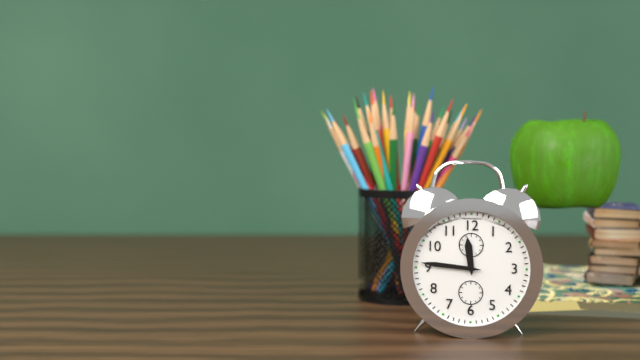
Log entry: 11:46
